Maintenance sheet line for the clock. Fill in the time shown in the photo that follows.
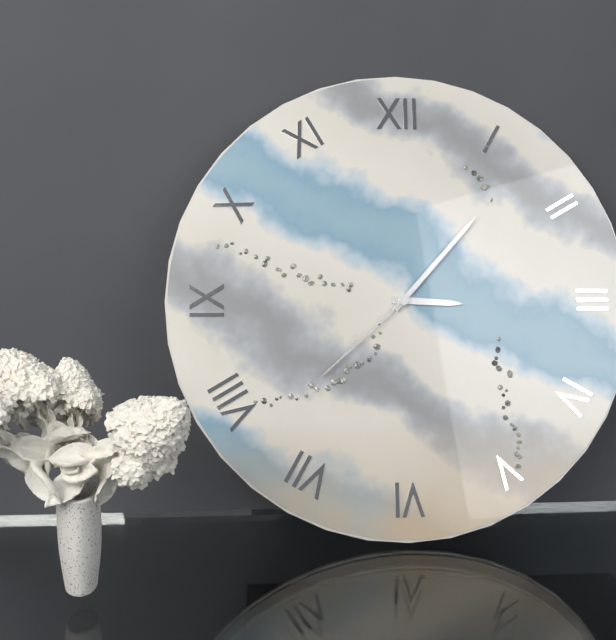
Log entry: 3:07:38
